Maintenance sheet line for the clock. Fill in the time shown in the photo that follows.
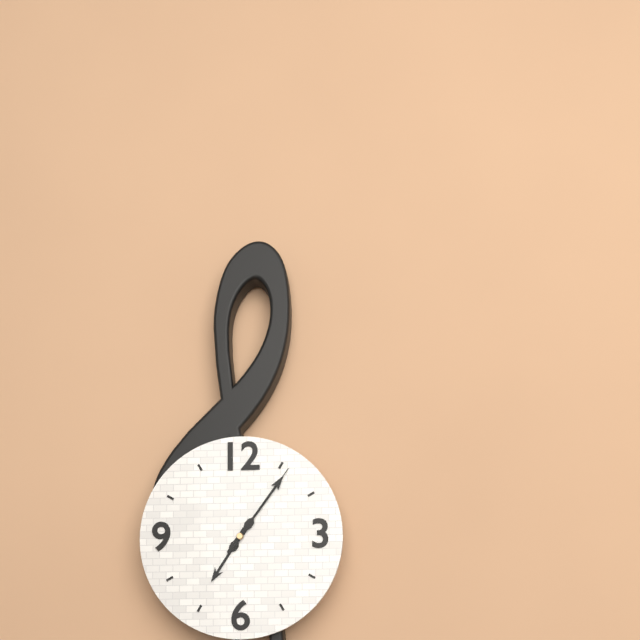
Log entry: 7:06:06
